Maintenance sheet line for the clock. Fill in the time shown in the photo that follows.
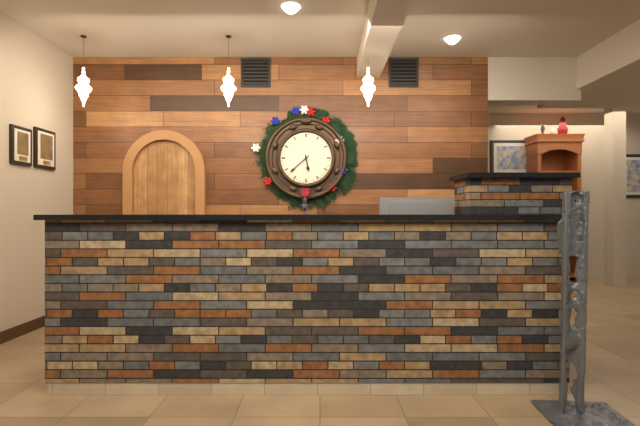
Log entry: 5:38
